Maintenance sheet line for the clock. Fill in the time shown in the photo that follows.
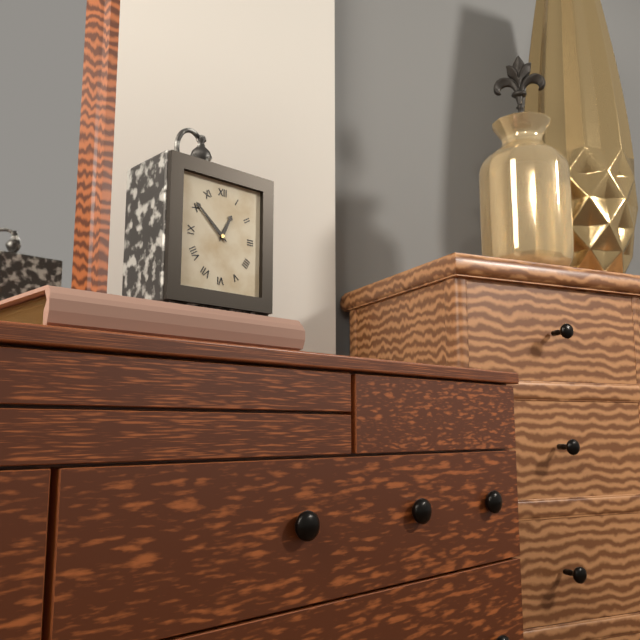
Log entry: 12:52
